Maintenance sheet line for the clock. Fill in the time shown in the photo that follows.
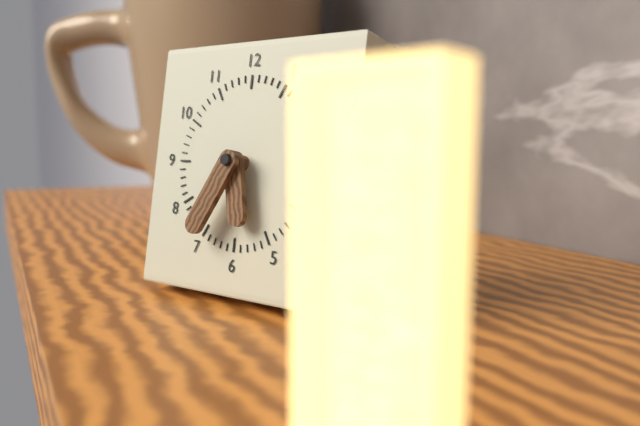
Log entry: 5:35
